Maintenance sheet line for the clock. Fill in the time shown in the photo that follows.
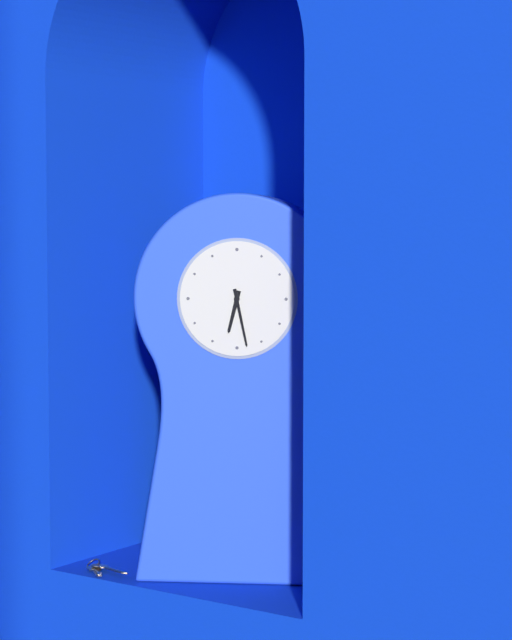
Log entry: 6:28
